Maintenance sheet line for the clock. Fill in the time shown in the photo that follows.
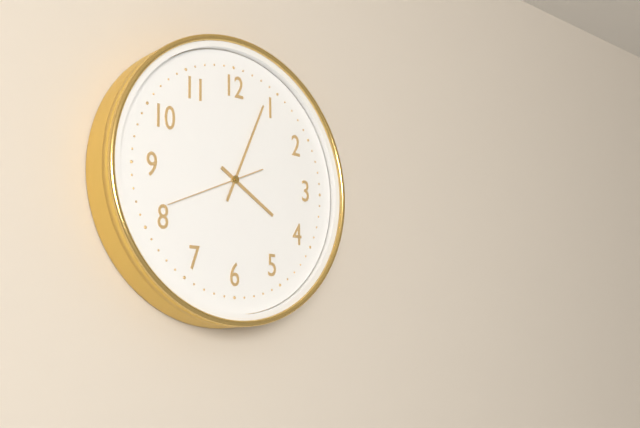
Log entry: 4:04:41
